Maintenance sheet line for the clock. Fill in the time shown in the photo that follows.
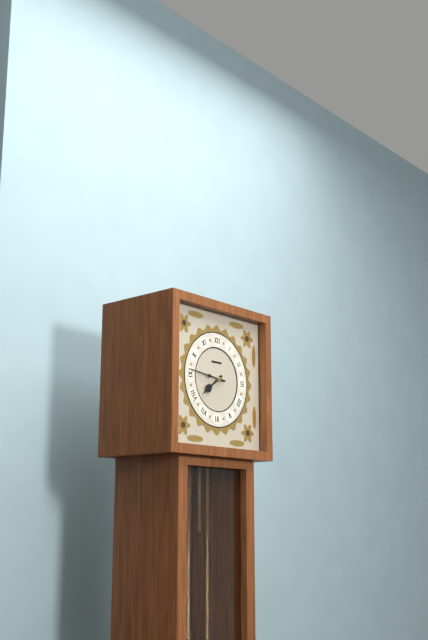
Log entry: 7:46
